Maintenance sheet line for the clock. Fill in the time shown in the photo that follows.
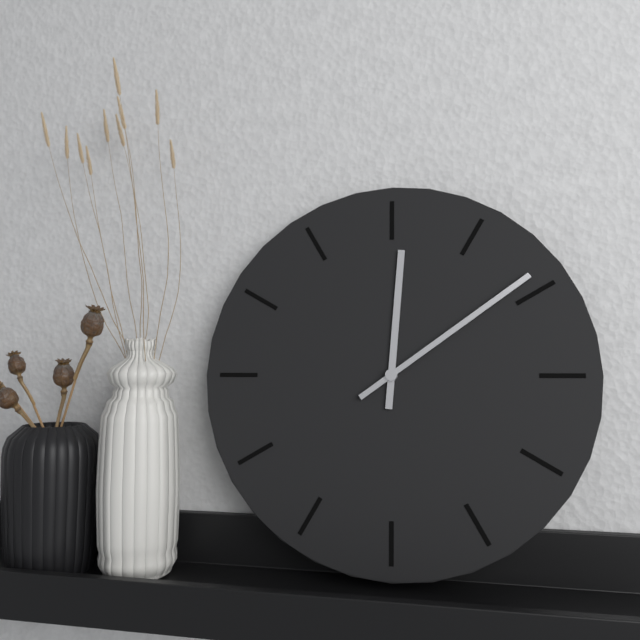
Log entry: 12:09
